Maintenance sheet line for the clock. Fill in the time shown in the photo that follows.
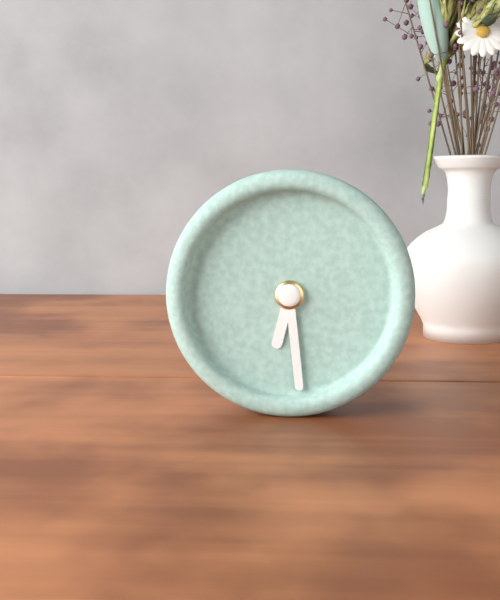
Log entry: 6:29
